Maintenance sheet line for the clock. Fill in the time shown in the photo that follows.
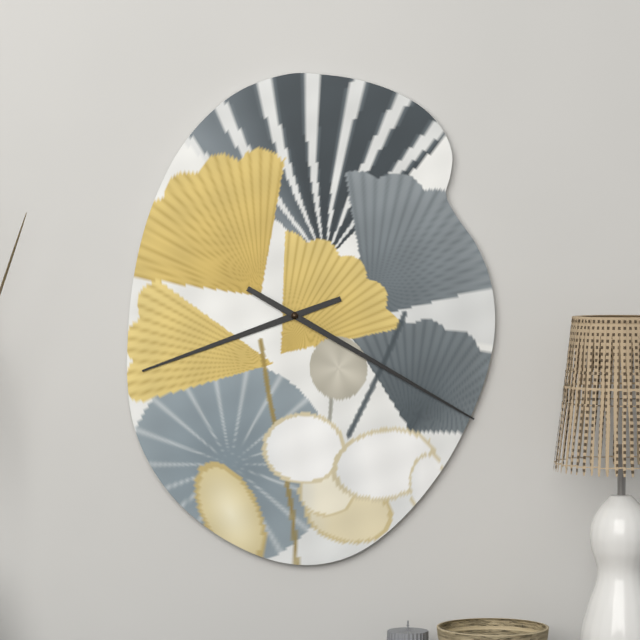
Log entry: 8:20
